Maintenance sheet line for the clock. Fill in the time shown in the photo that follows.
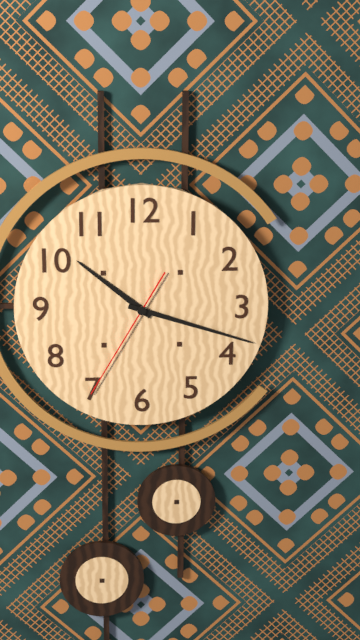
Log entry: 10:18:35
